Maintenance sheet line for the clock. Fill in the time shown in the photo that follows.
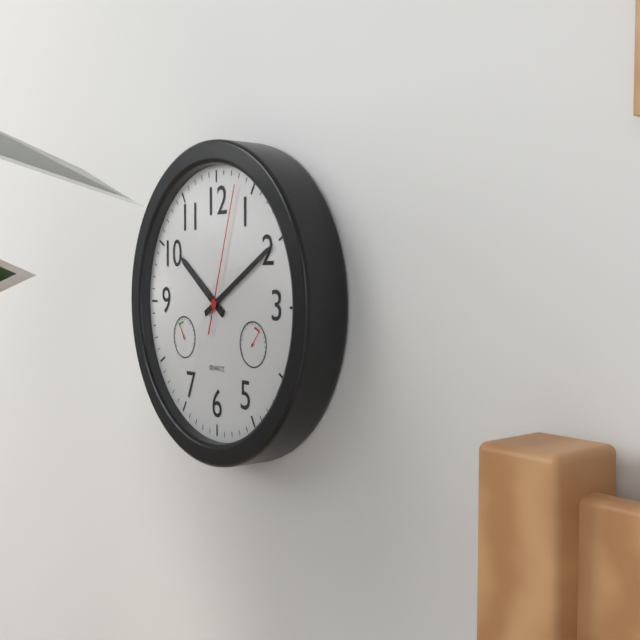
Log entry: 10:10:03
